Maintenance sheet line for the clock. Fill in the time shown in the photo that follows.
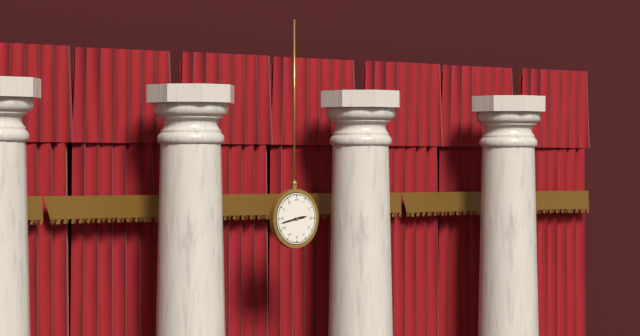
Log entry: 2:43
